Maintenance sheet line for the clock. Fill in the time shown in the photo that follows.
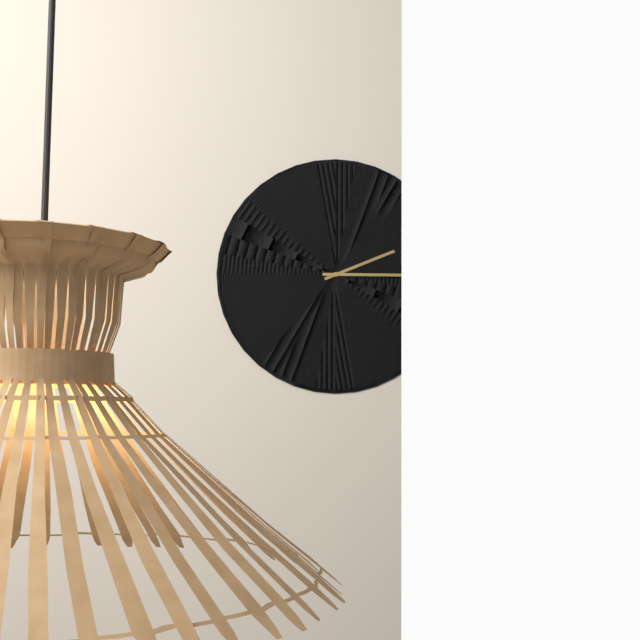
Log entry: 2:15
